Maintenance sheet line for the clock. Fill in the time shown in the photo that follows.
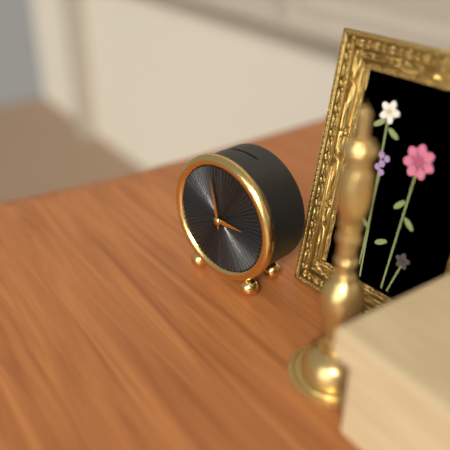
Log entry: 2:58
